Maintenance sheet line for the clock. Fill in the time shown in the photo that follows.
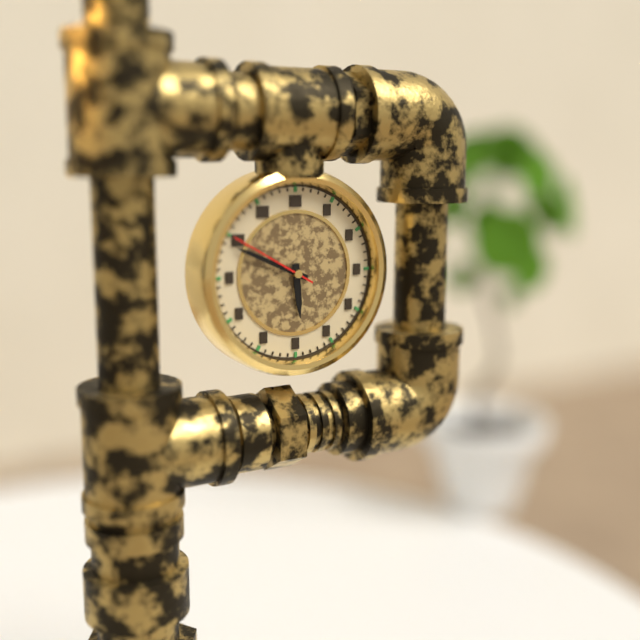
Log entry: 5:49:50
